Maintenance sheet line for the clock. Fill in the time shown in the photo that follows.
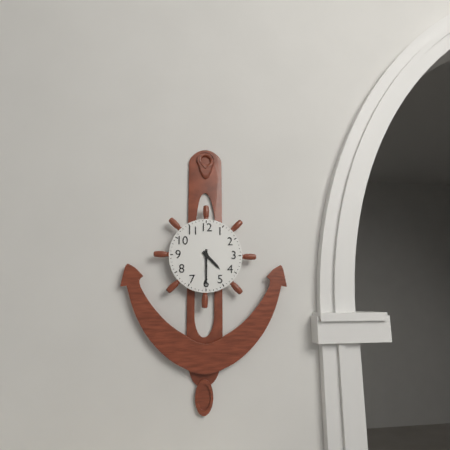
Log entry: 4:30
